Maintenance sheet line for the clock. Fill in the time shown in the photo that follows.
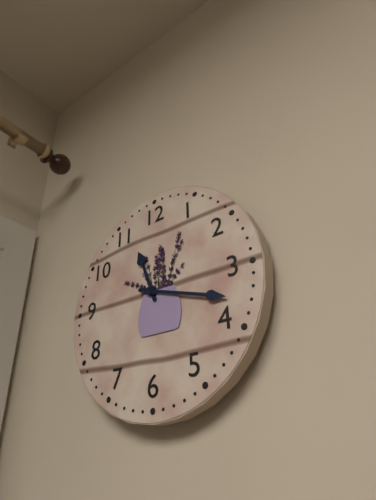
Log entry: 11:18
